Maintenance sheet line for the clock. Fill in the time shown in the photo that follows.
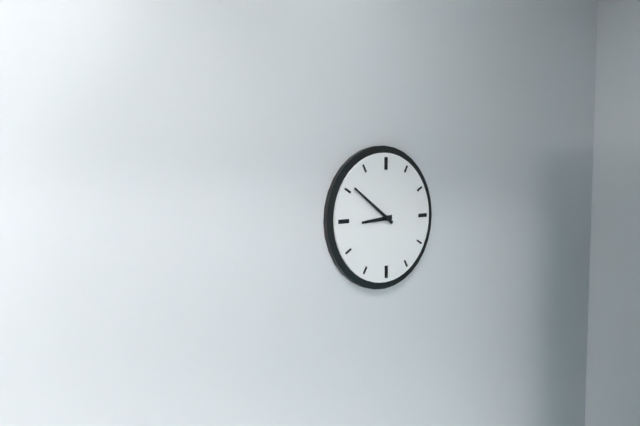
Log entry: 8:51
